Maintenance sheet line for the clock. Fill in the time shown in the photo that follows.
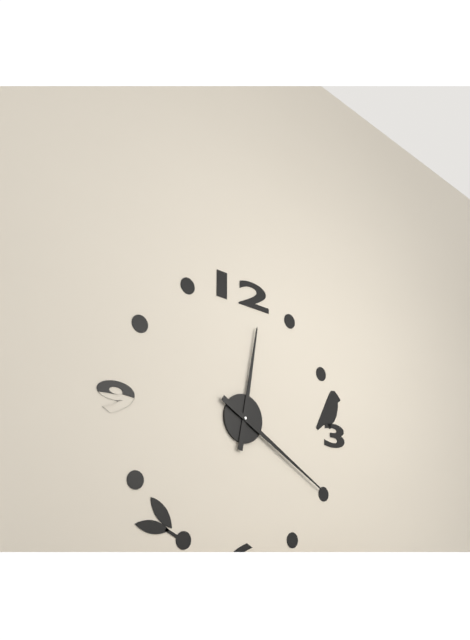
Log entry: 12:20
